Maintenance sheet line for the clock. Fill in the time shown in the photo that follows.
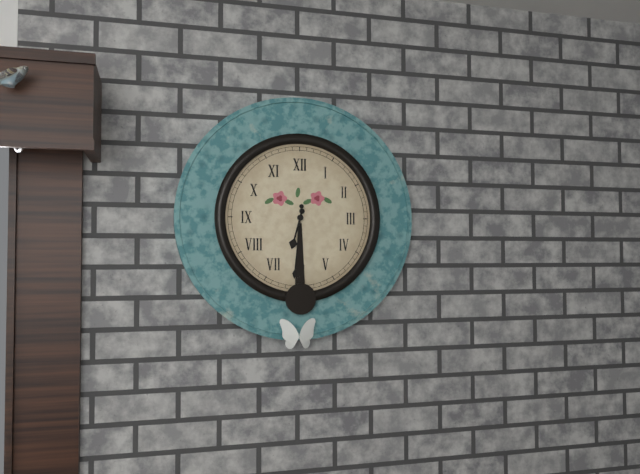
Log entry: 6:31
